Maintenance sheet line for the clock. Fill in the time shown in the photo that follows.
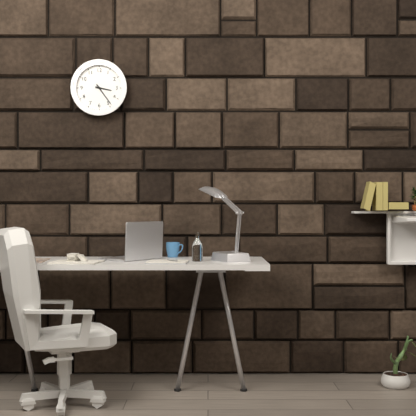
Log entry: 3:24
